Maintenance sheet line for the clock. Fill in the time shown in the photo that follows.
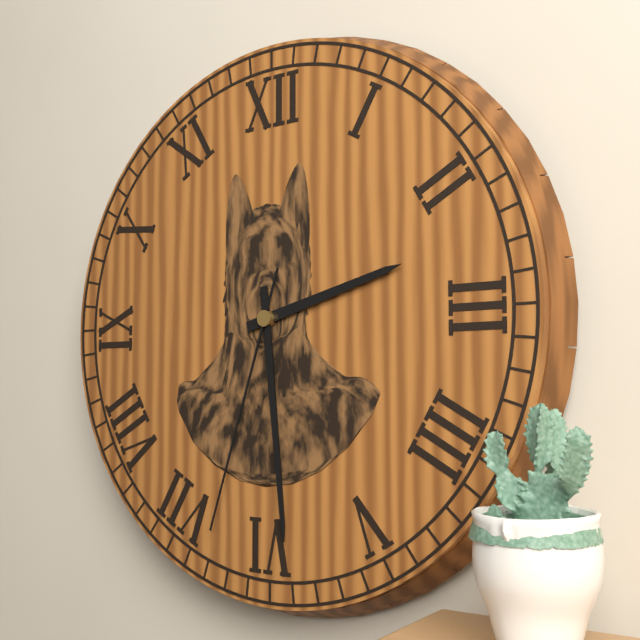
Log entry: 2:29:33
